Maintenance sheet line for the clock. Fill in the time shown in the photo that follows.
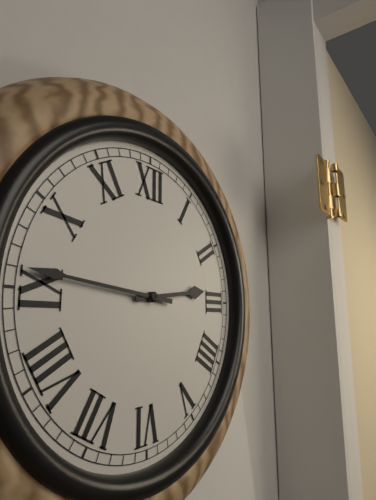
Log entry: 2:46
